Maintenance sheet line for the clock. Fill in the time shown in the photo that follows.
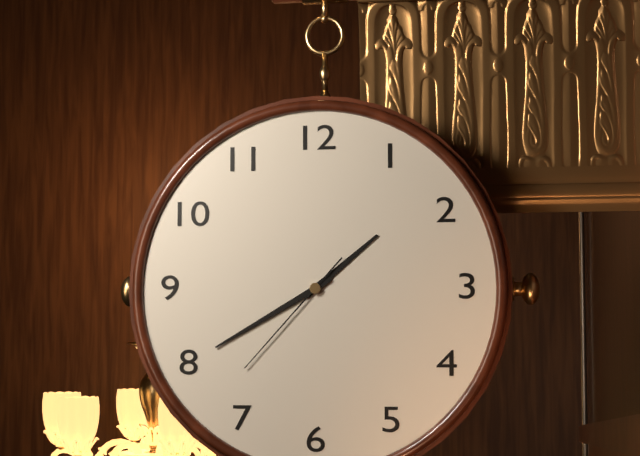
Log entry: 1:40:37
